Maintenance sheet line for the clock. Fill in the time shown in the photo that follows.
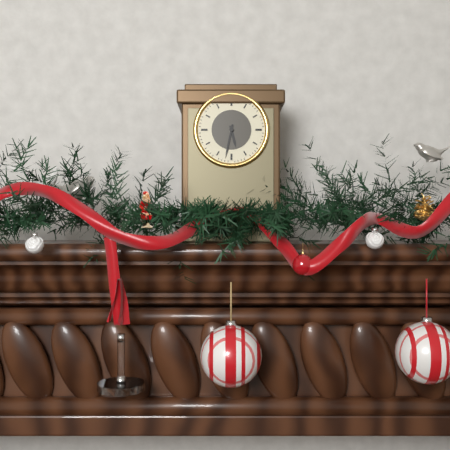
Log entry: 5:32
